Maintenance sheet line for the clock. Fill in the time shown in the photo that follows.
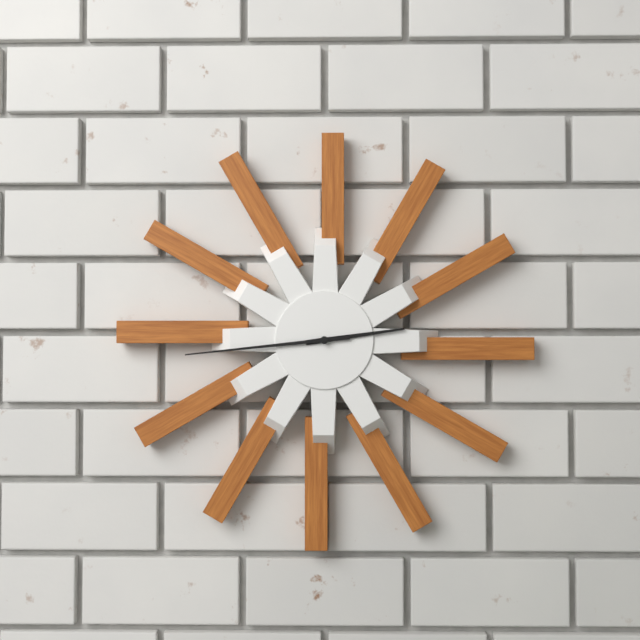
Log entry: 2:44
